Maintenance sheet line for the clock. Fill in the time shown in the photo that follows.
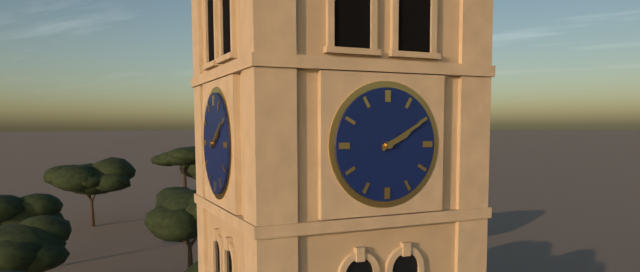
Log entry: 2:10
